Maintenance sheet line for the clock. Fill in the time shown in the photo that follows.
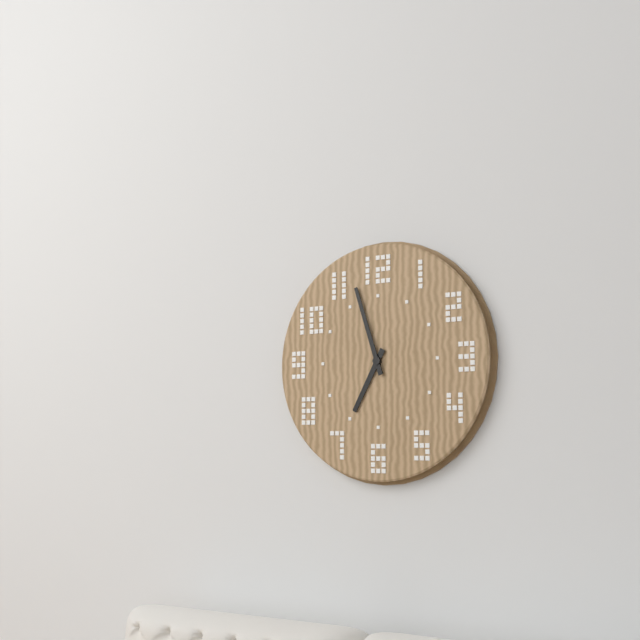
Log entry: 6:57
